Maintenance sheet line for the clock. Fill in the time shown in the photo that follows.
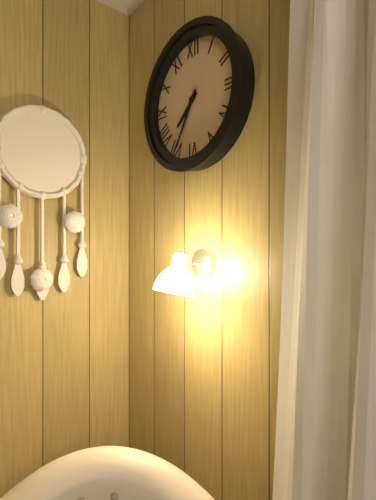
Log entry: 7:35
